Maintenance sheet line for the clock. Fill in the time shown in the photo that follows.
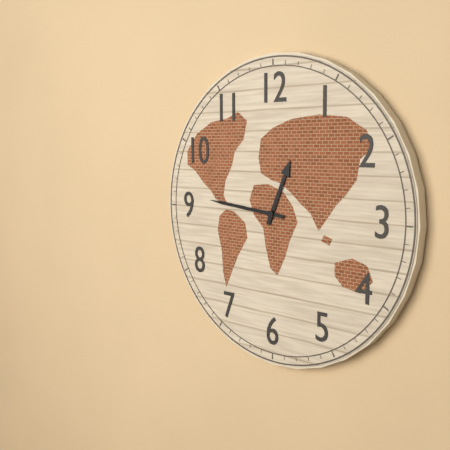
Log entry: 12:46
